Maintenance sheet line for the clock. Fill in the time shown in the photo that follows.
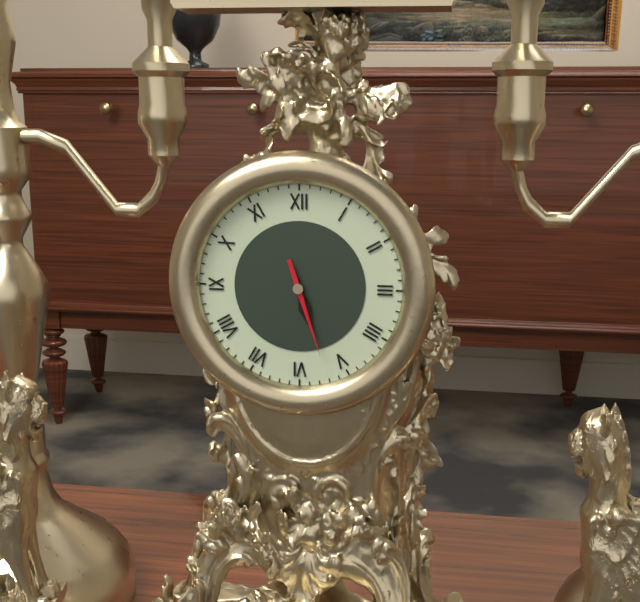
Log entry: 5:27
